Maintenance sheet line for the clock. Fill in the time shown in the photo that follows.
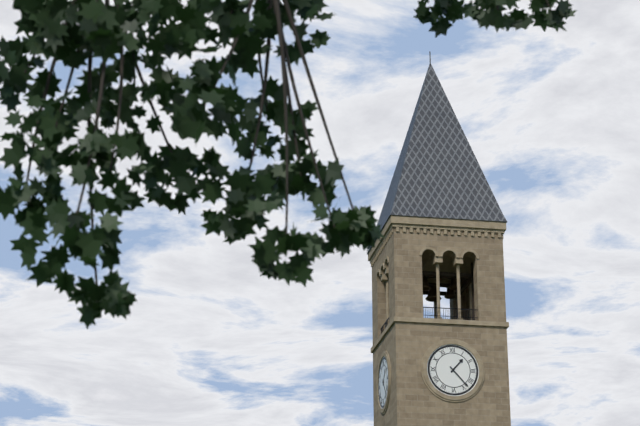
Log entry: 1:23
